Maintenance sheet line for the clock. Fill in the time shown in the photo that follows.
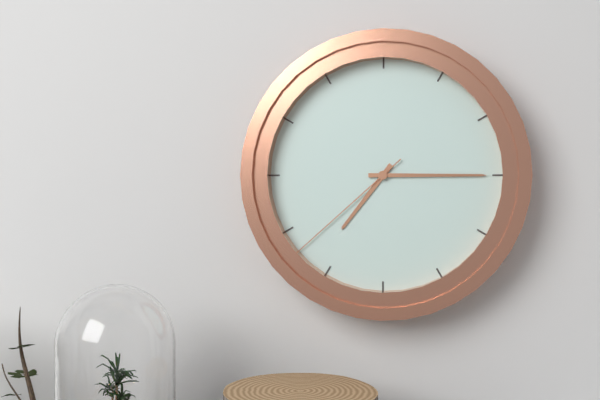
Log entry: 7:15:38
